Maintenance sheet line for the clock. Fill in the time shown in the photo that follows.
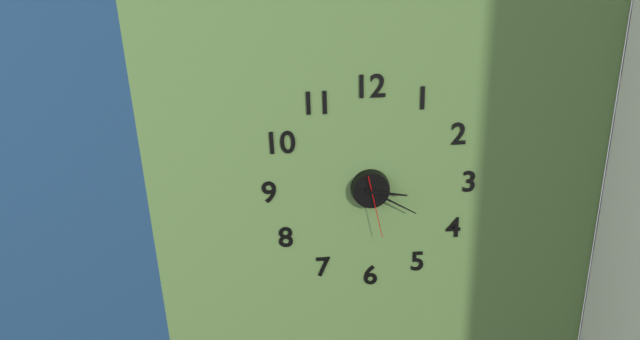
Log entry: 3:20:28
